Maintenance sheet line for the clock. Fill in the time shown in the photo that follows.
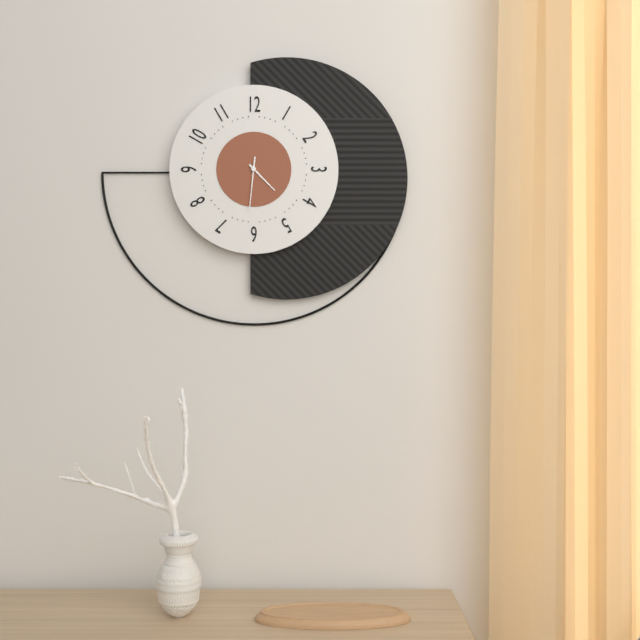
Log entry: 4:31
